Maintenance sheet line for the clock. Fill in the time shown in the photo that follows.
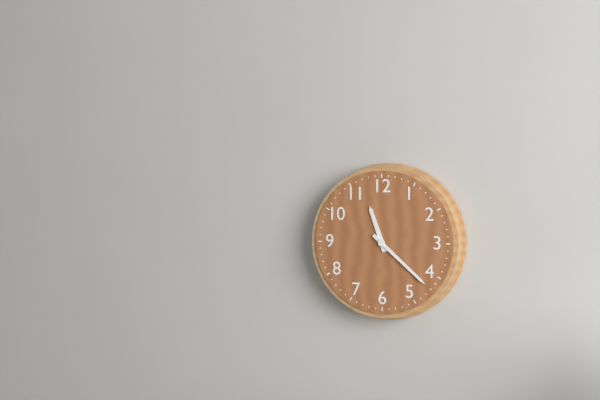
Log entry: 11:22
